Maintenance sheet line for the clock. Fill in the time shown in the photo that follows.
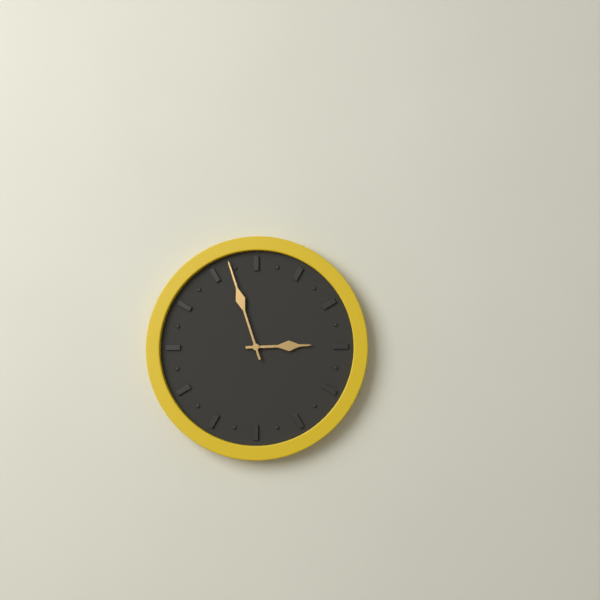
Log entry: 2:57
